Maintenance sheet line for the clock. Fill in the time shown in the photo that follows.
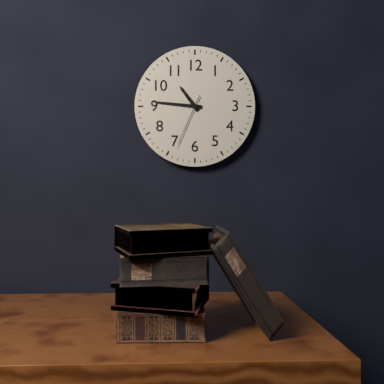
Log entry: 10:46:34
